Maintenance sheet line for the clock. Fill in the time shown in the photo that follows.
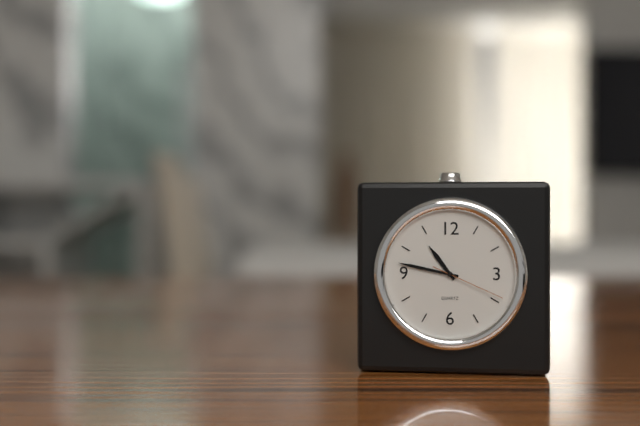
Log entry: 10:47:19
